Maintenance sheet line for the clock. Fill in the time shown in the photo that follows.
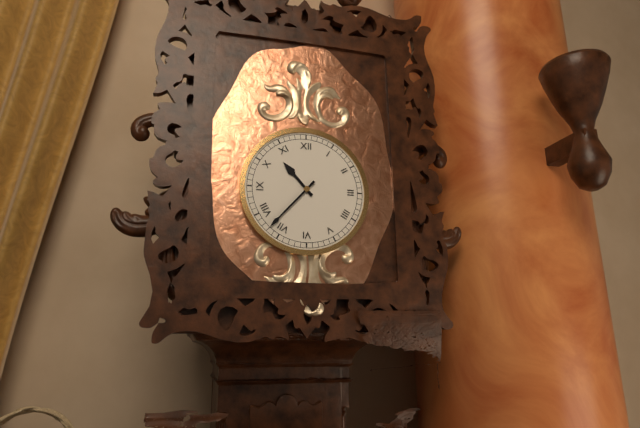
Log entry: 10:37
